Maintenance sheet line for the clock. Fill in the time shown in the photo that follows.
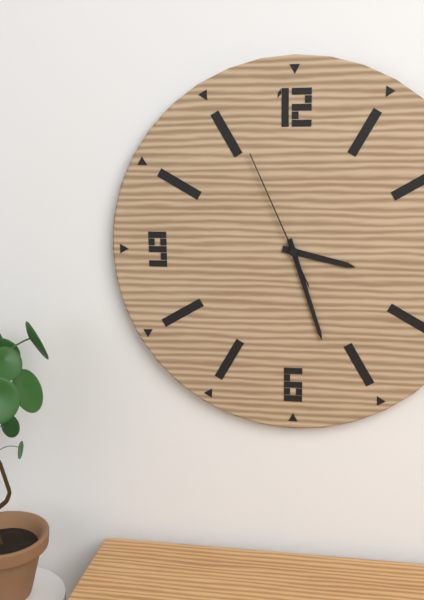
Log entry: 3:27:56
